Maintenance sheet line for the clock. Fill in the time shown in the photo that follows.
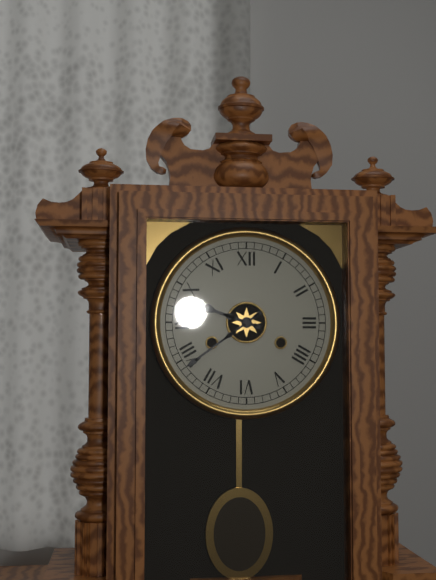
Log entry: 9:39
